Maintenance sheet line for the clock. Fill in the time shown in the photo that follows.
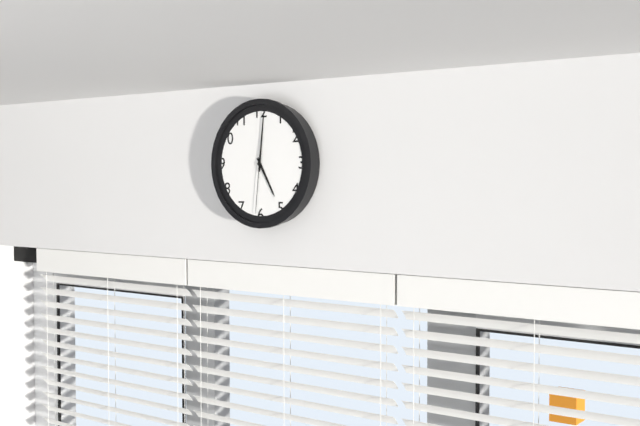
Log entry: 5:01:31
